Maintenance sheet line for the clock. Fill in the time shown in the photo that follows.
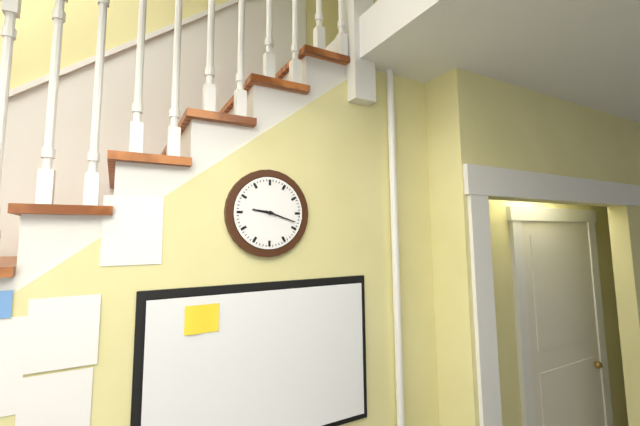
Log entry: 9:18
